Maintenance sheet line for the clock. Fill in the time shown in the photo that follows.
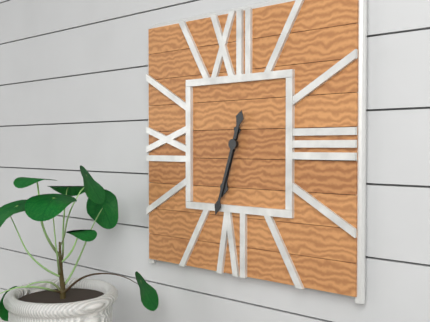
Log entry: 6:33
